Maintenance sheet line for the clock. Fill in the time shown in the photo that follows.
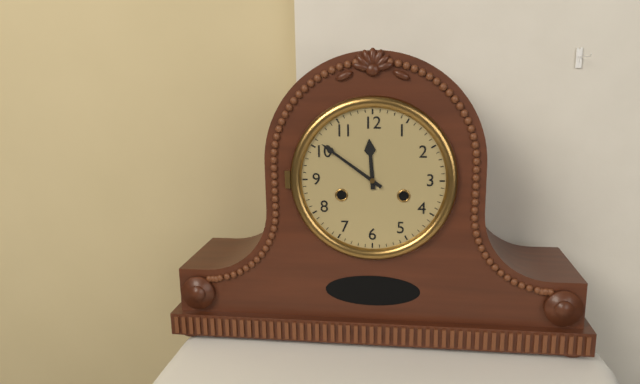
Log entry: 11:51
